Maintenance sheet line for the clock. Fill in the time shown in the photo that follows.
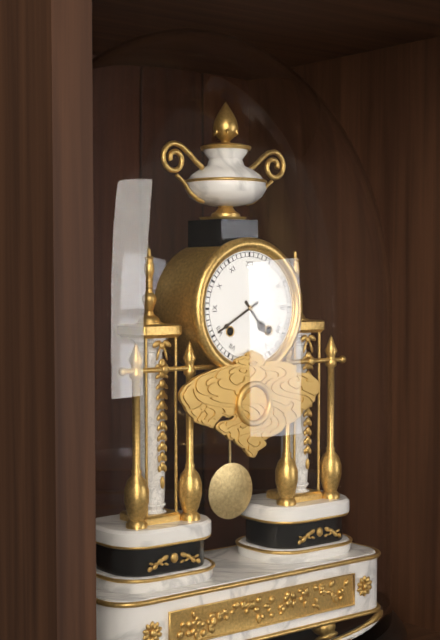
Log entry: 4:40
